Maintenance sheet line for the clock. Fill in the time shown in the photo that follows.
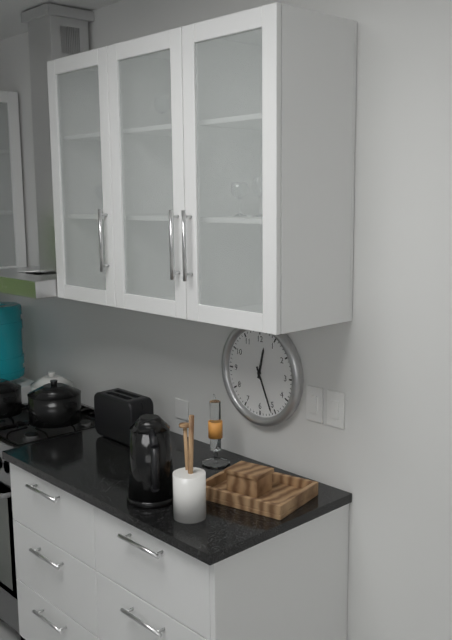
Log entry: 12:26
